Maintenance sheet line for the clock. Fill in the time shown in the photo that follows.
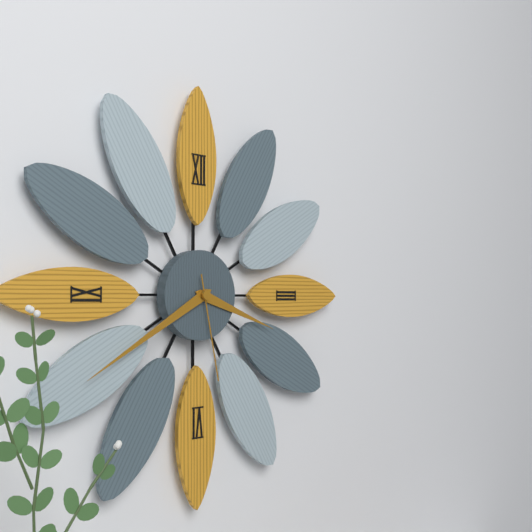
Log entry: 3:40:28
